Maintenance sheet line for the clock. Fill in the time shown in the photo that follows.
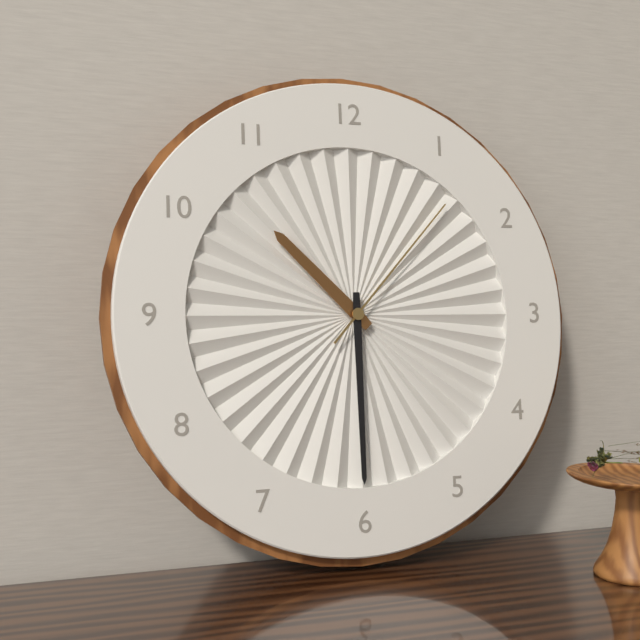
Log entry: 10:30:07
